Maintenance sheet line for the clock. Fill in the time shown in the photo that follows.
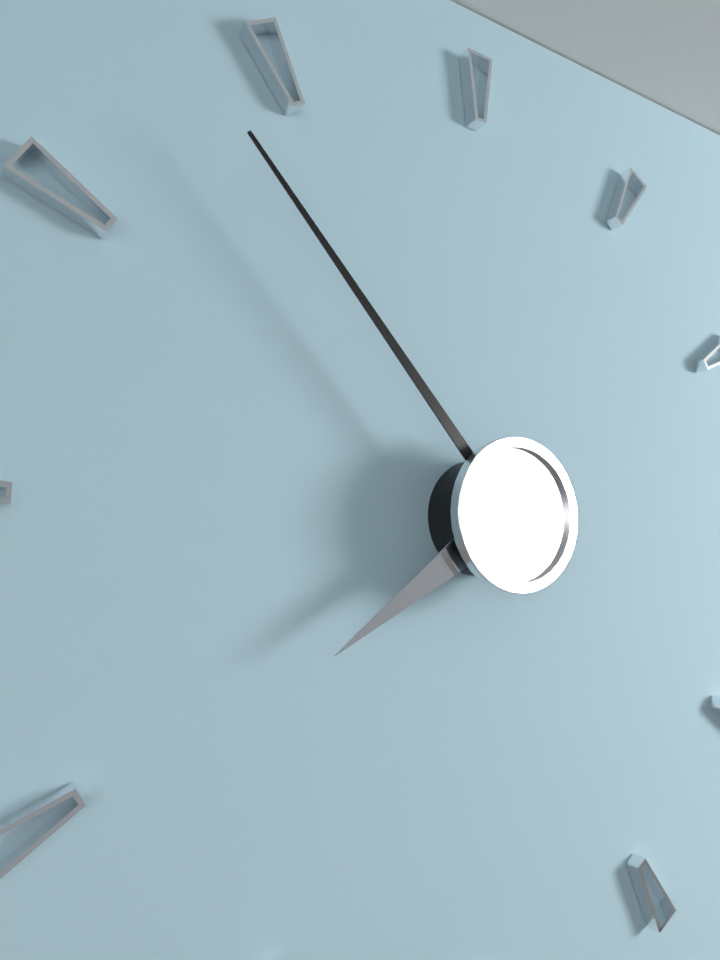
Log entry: 7:53
